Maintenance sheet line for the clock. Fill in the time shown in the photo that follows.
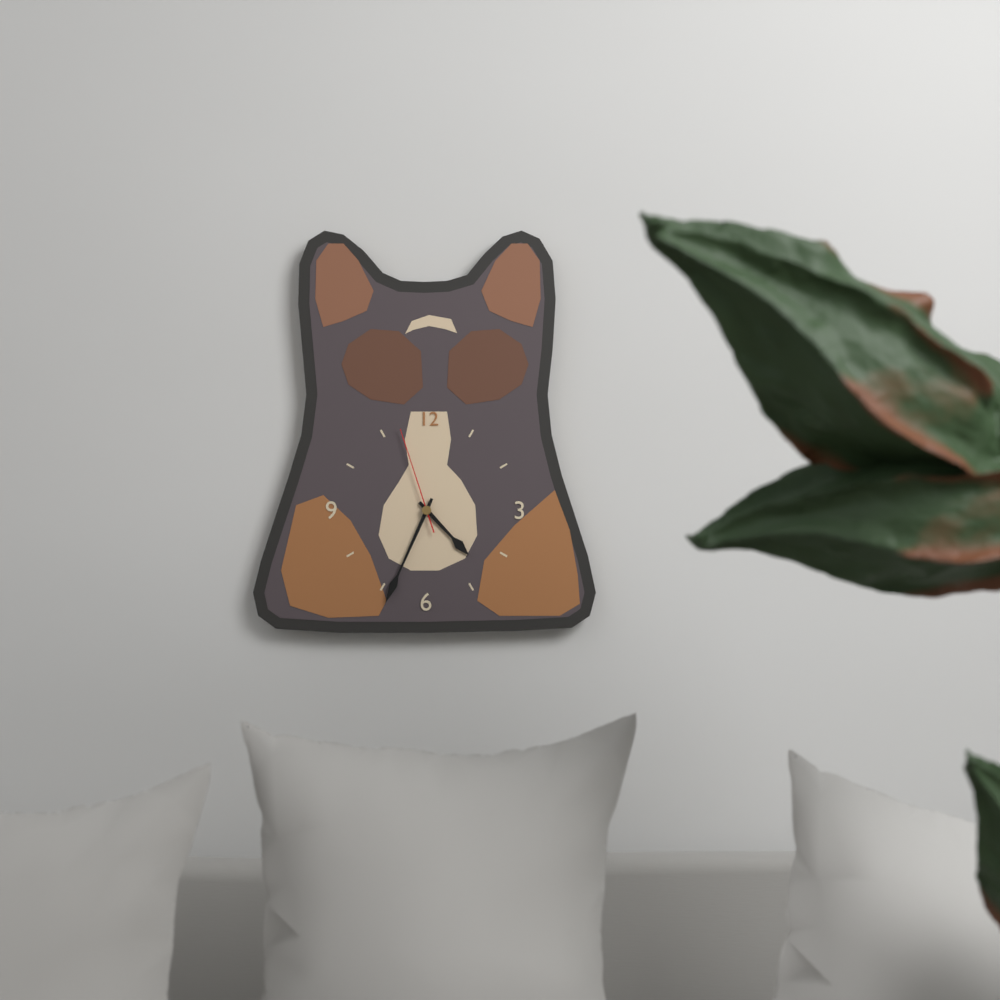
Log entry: 4:34:57
